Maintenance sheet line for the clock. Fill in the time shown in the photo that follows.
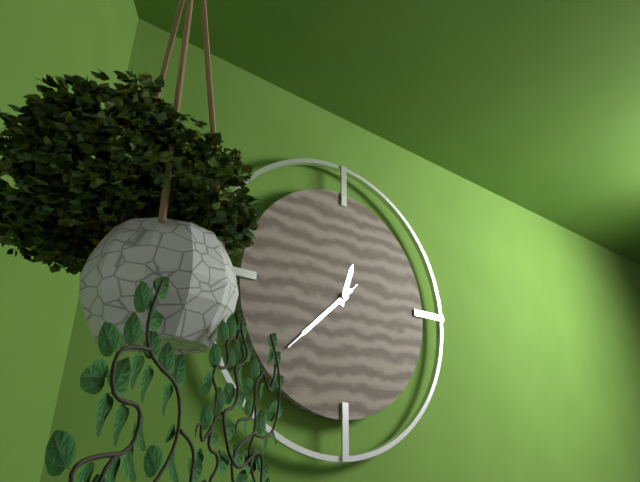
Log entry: 12:38:38
